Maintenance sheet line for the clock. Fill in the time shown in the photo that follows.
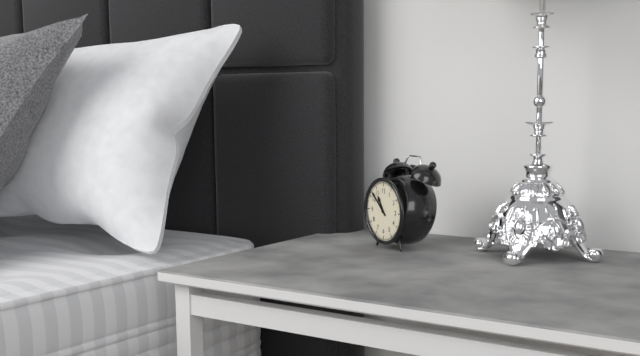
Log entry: 10:52
